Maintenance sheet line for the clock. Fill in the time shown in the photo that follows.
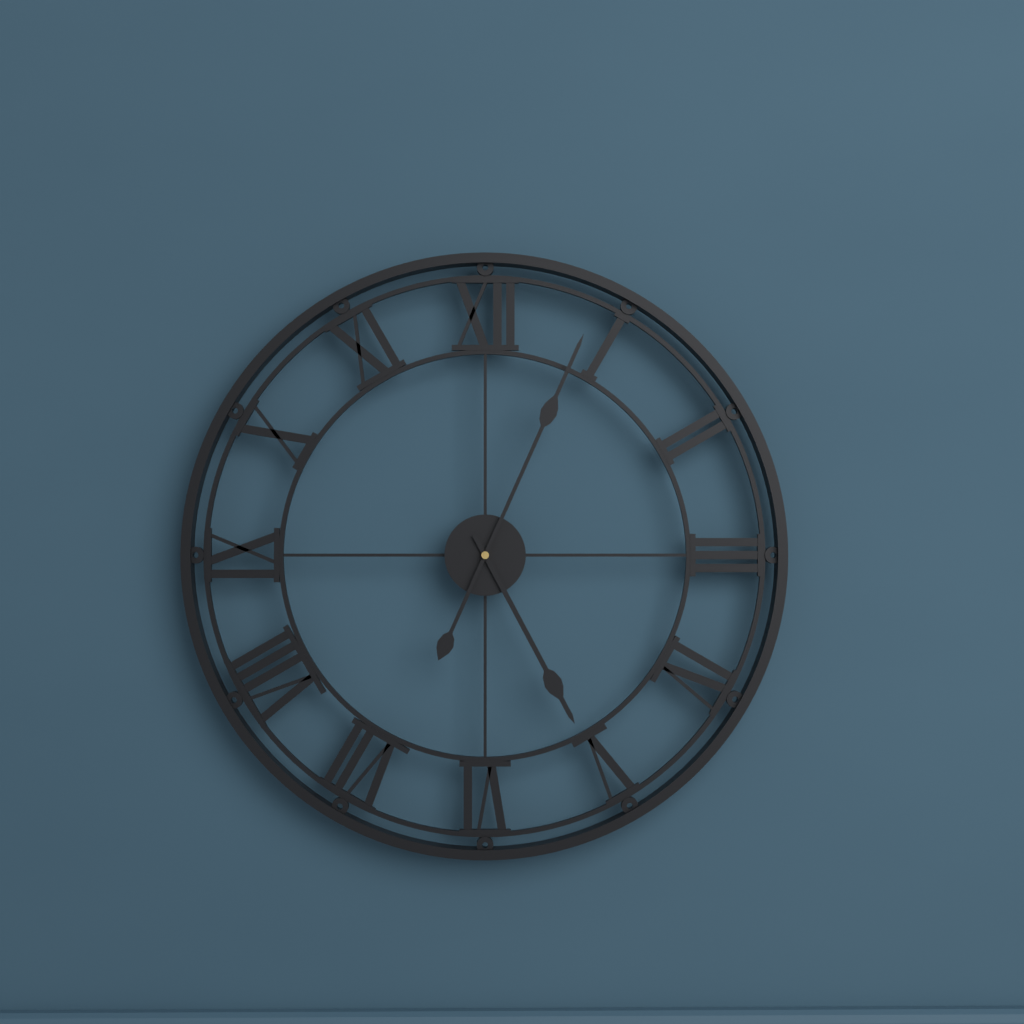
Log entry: 5:04
